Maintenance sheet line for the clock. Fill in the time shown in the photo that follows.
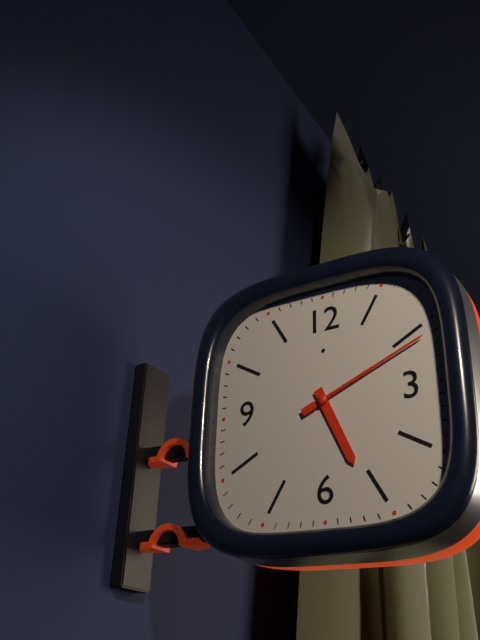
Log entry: 5:11
